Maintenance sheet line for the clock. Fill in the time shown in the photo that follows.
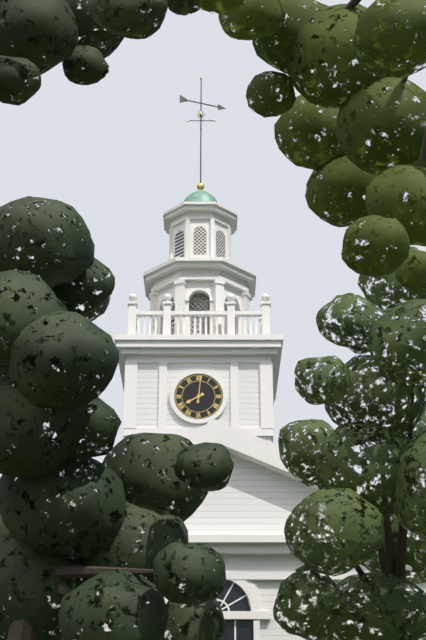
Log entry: 8:01
